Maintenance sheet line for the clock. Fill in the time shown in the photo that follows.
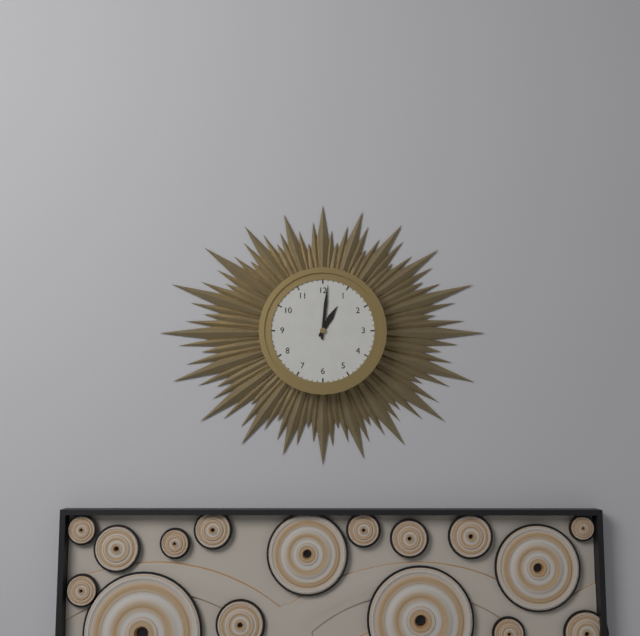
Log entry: 1:01
